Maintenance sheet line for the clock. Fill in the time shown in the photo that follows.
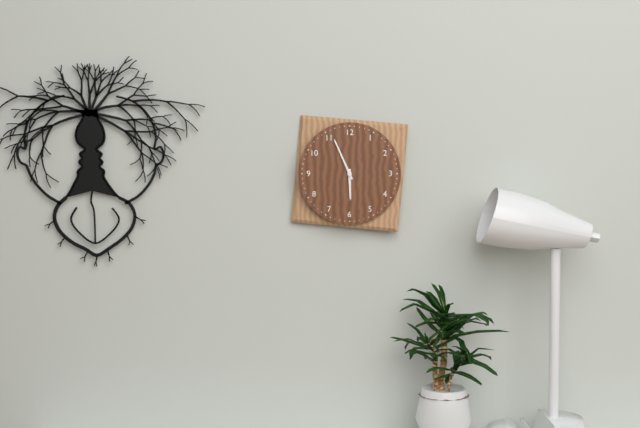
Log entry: 5:56
